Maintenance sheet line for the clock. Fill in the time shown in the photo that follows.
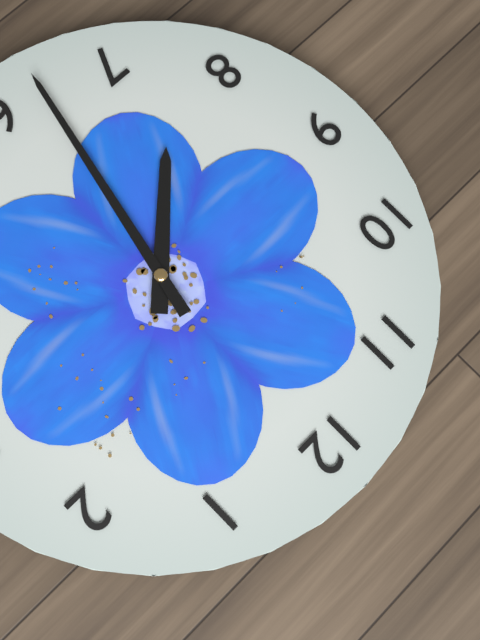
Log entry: 7:32
